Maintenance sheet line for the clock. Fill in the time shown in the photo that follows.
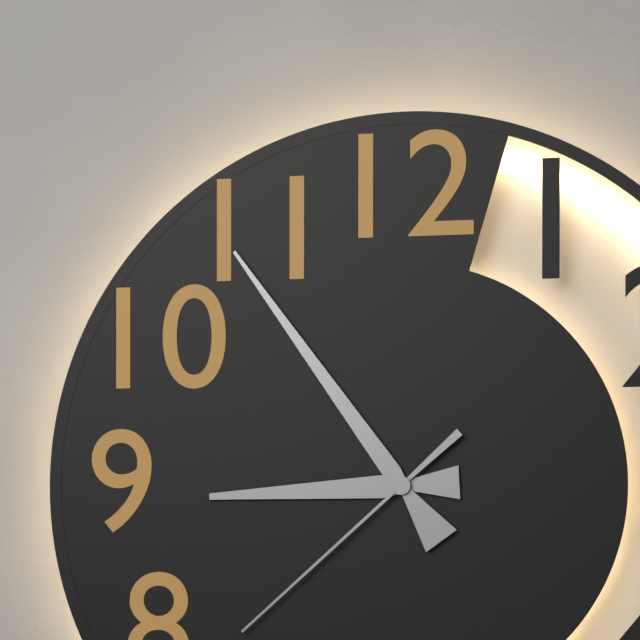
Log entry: 8:54:38
